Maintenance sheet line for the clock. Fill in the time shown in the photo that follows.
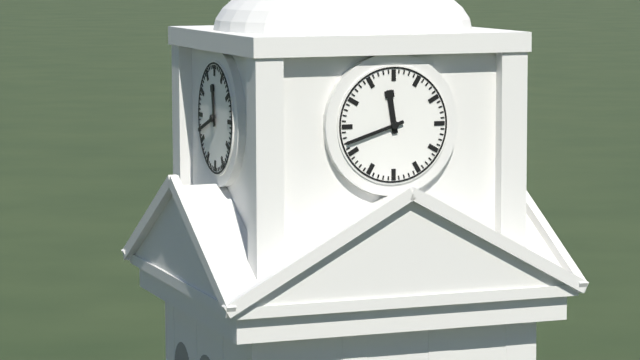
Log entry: 11:42
